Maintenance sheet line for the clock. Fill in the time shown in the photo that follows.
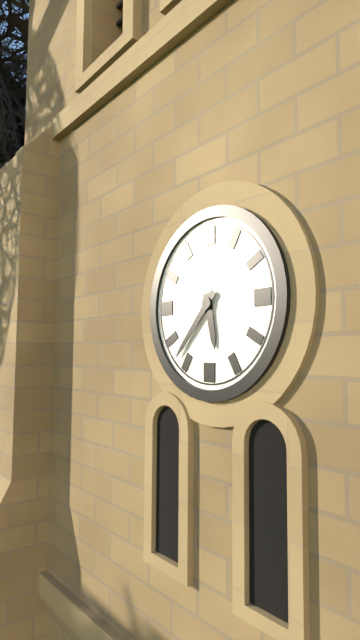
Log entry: 5:37
